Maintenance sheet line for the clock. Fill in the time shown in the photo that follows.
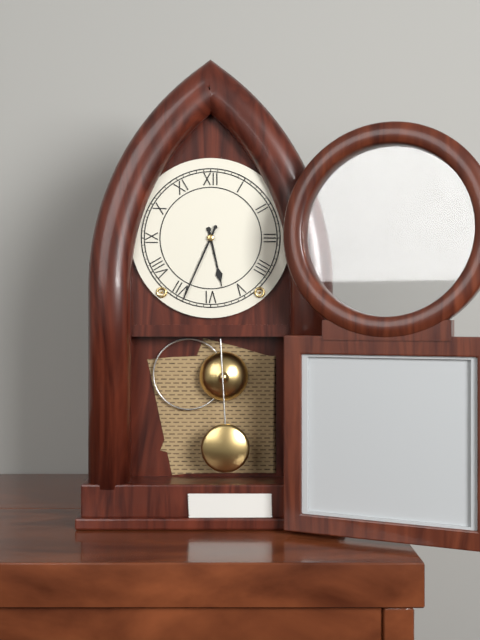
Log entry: 5:34
